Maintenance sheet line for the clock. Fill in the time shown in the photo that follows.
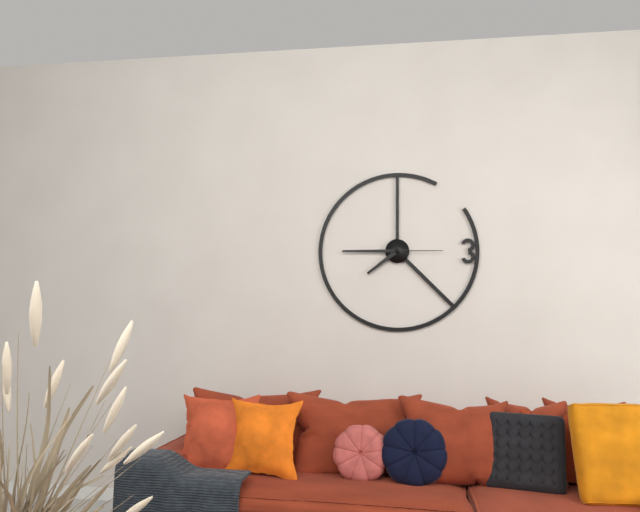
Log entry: 7:45:15
